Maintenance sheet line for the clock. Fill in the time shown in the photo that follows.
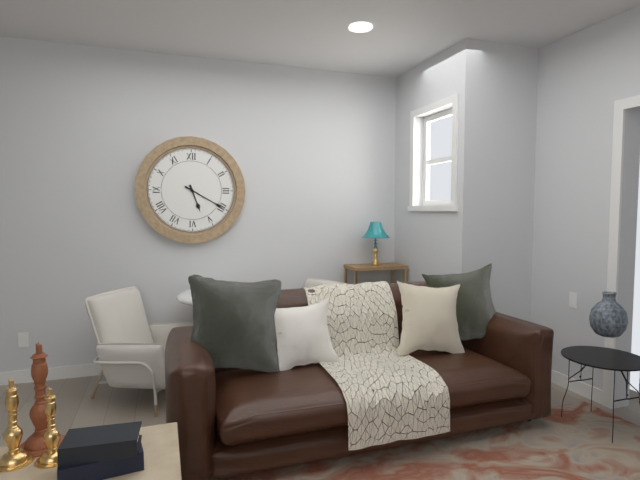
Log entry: 5:20
